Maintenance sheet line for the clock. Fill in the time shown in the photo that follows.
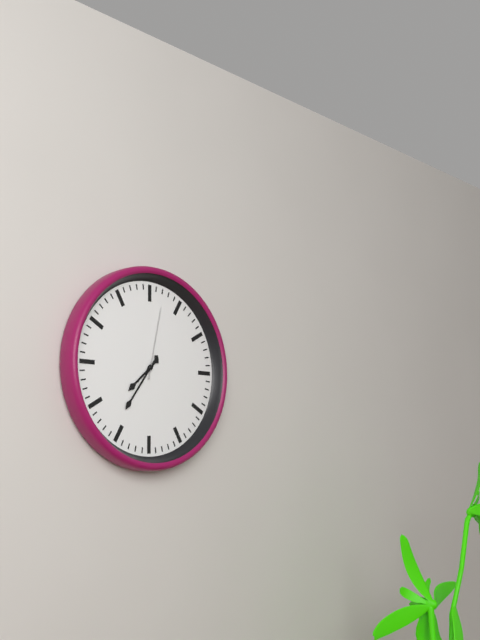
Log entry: 7:36:02
